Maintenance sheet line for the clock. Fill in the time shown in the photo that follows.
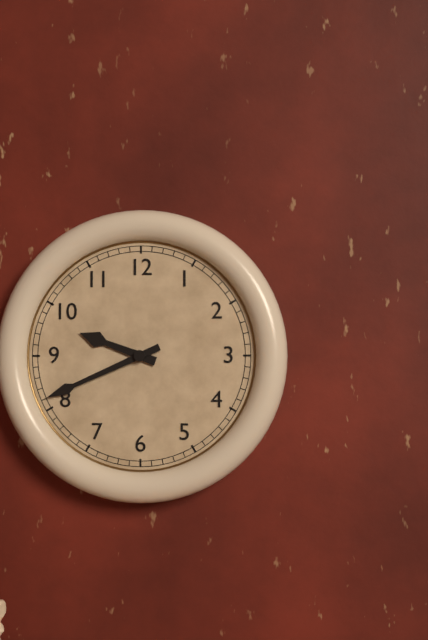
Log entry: 9:41
